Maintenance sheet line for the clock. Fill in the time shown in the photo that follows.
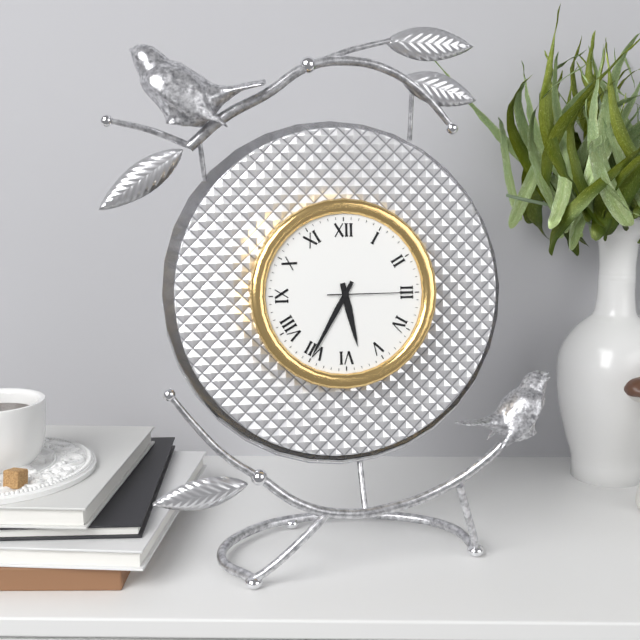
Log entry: 5:35:15
